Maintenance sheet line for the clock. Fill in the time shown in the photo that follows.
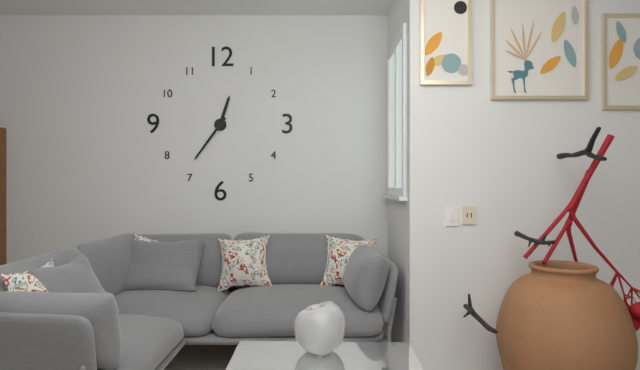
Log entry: 12:36
